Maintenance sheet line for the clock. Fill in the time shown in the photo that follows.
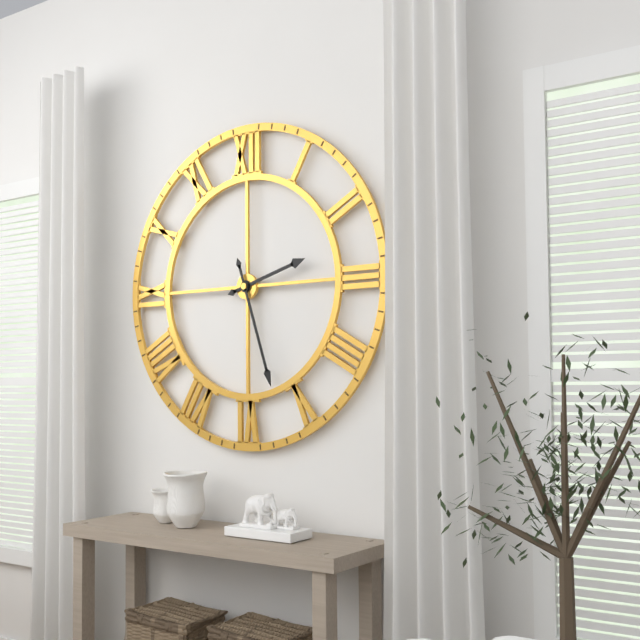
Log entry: 2:27
